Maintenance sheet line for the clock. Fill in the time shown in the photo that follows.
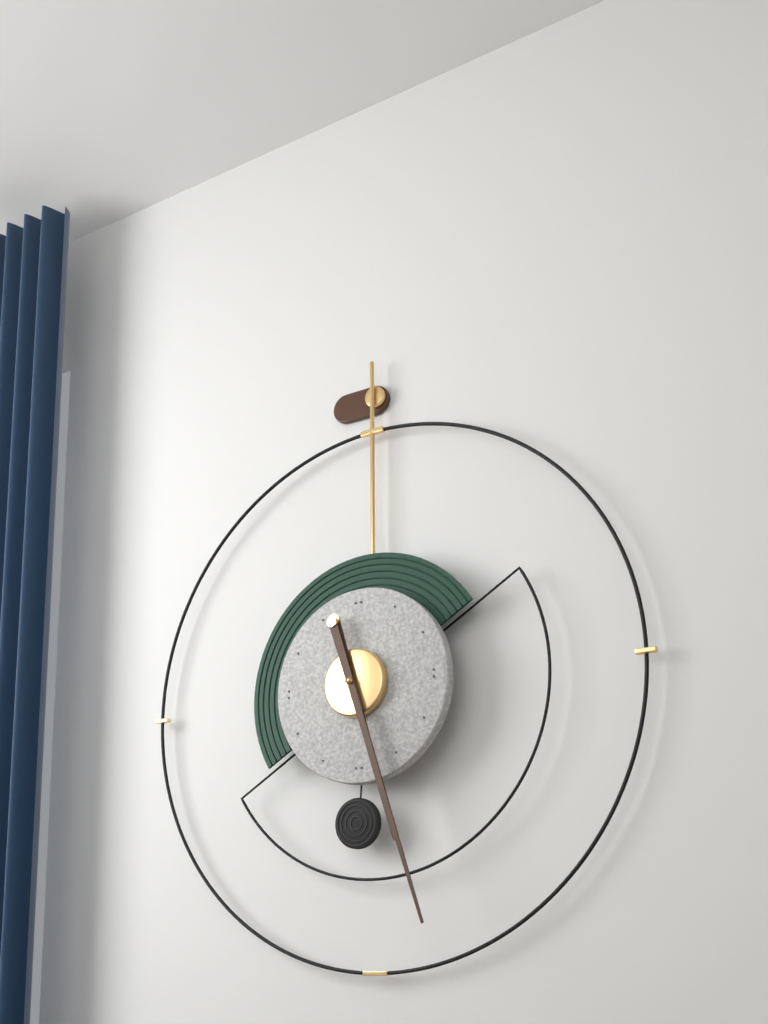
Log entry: 5:27
